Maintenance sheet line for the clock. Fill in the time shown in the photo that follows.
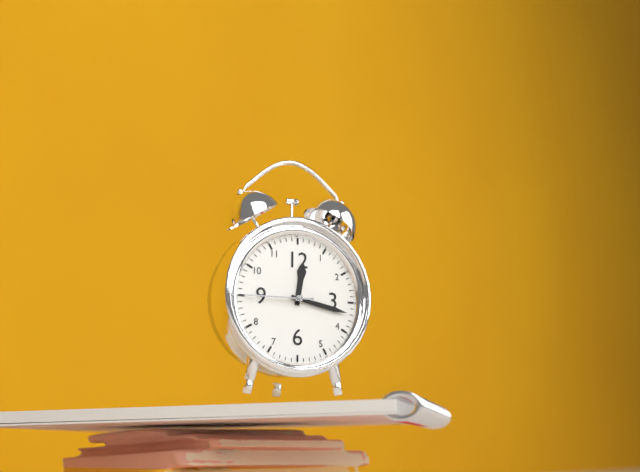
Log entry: 12:17:45
